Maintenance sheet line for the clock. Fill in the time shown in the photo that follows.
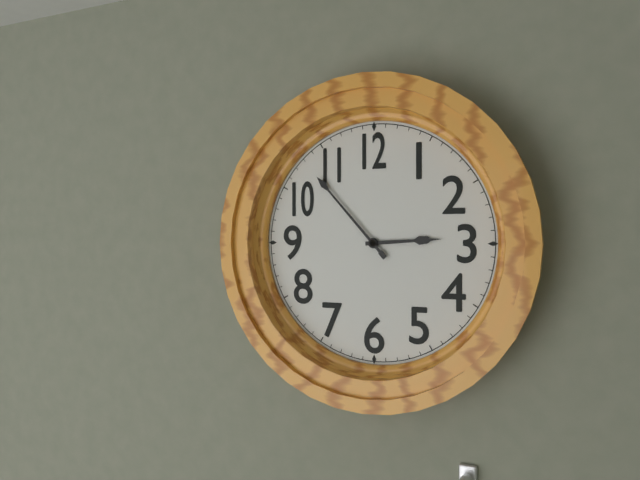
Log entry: 2:53
